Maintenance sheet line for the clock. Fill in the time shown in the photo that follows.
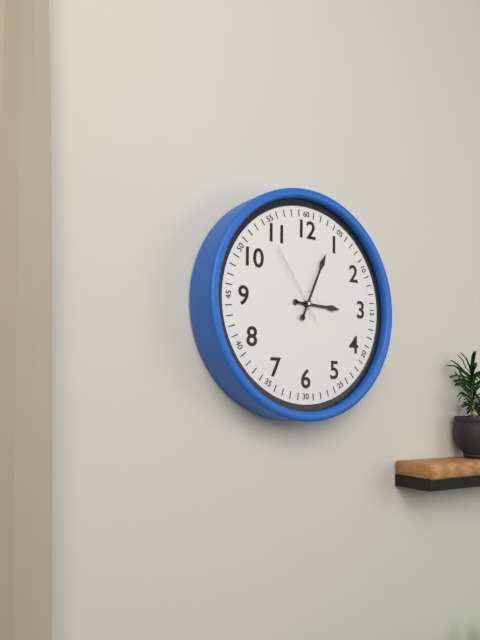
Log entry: 3:04:54
